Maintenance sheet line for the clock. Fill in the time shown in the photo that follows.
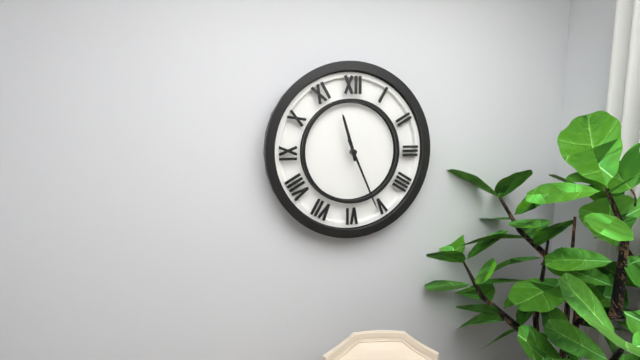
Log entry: 11:26
